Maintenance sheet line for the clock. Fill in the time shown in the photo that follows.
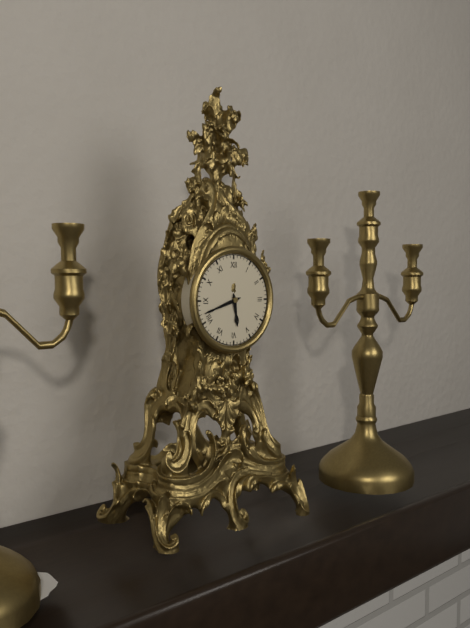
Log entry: 5:42
